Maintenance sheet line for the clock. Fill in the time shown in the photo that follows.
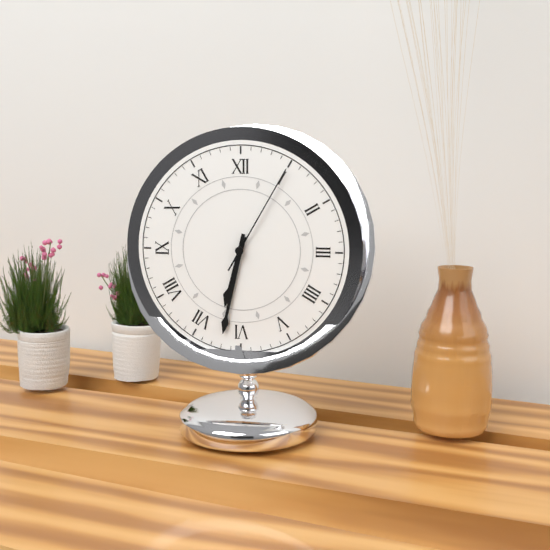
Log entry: 6:32:05
